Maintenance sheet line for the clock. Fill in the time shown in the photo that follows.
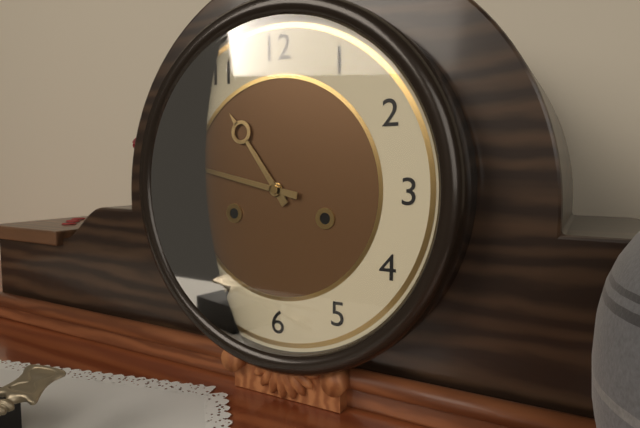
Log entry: 10:47
